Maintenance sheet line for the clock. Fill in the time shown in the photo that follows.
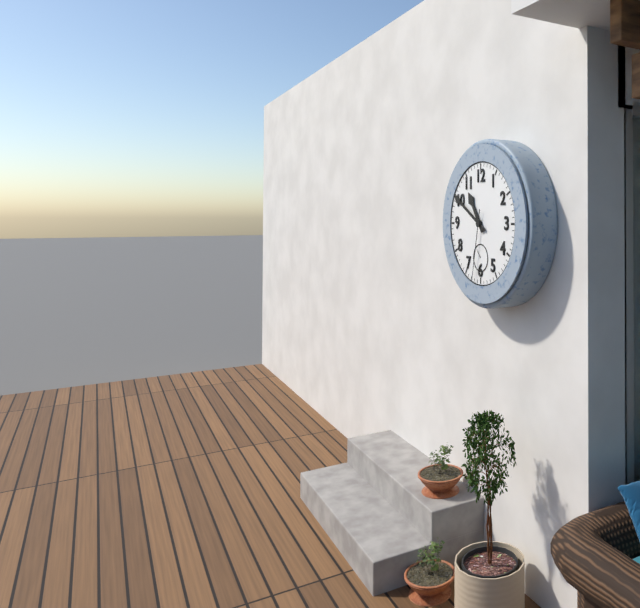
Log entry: 10:50:32
